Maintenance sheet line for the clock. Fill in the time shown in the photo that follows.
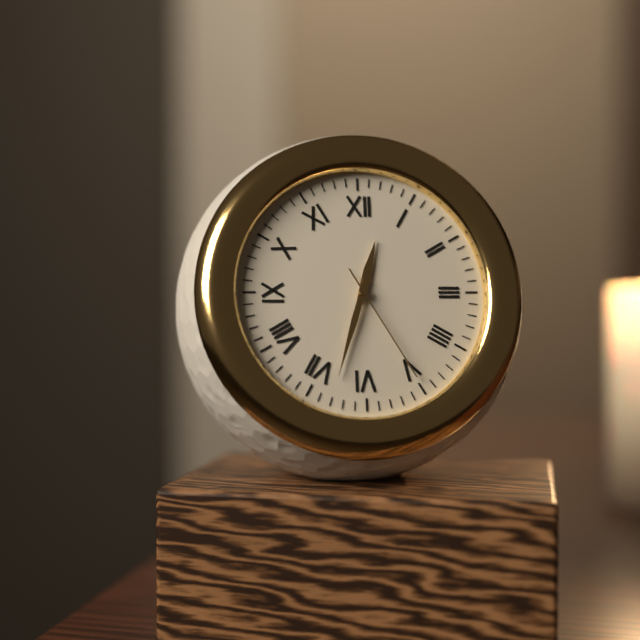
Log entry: 12:33:25
